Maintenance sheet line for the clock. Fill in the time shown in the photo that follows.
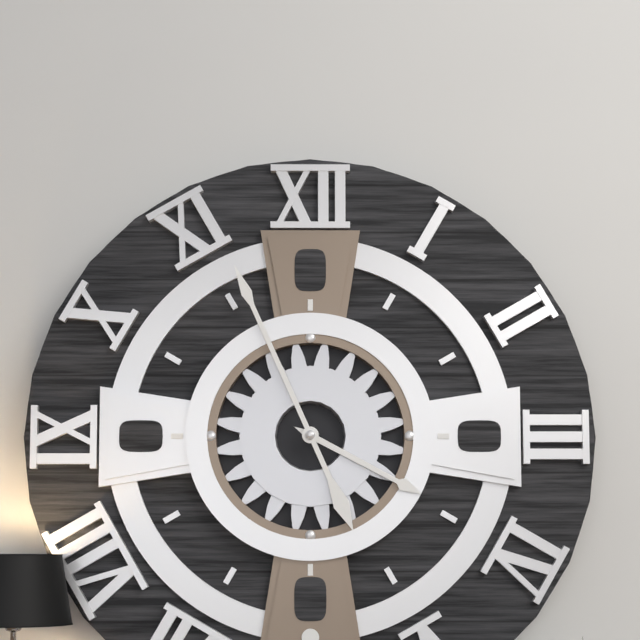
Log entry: 3:56
